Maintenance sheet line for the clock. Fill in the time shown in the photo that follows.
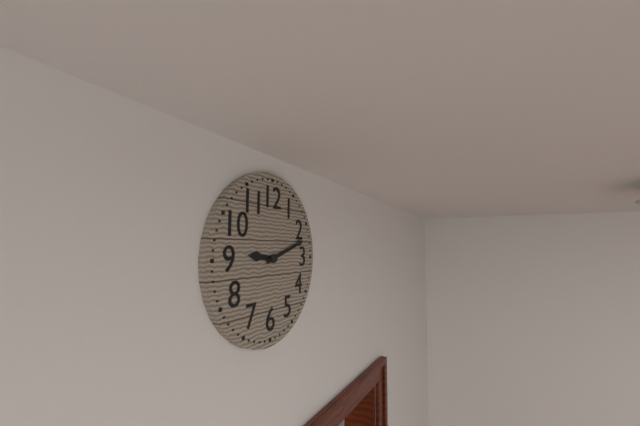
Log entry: 9:12
